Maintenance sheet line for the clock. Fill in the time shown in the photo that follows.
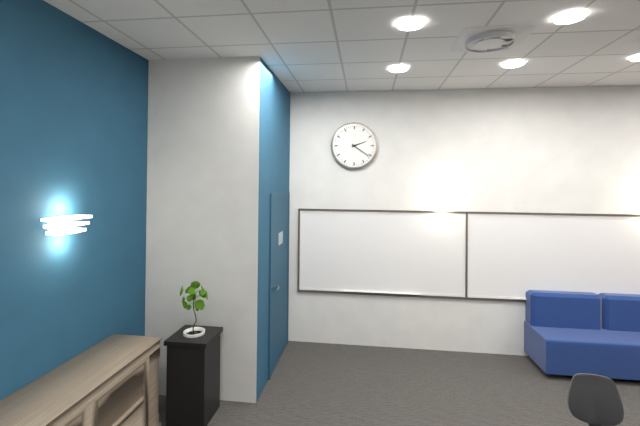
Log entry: 2:21
